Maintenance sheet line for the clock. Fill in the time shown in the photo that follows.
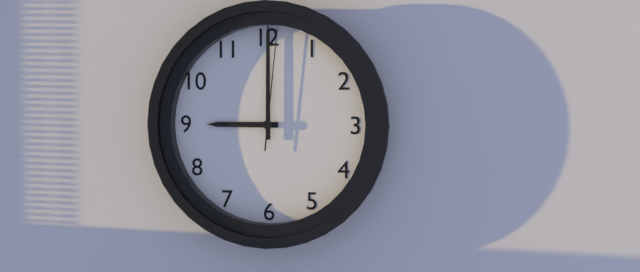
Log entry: 9:00:01
